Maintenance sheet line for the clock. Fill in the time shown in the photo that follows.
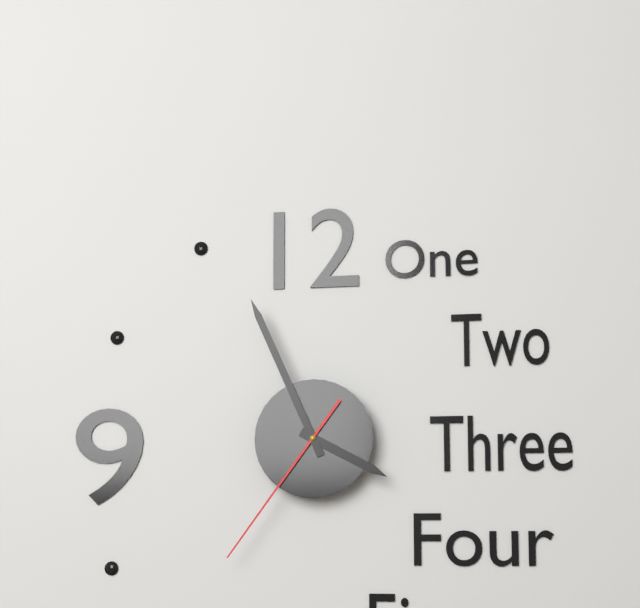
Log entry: 3:56:36
